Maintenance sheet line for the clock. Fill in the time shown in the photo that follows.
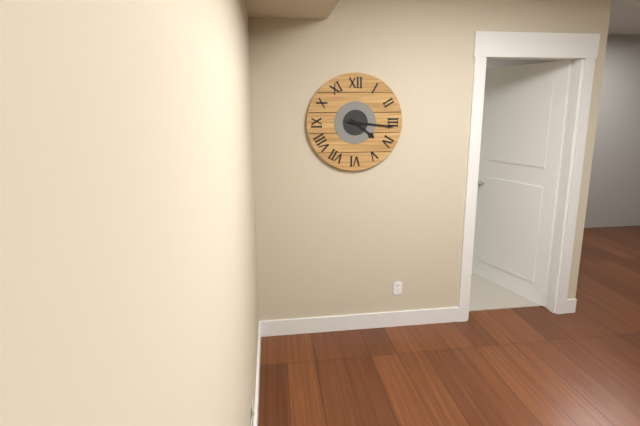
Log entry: 4:16
